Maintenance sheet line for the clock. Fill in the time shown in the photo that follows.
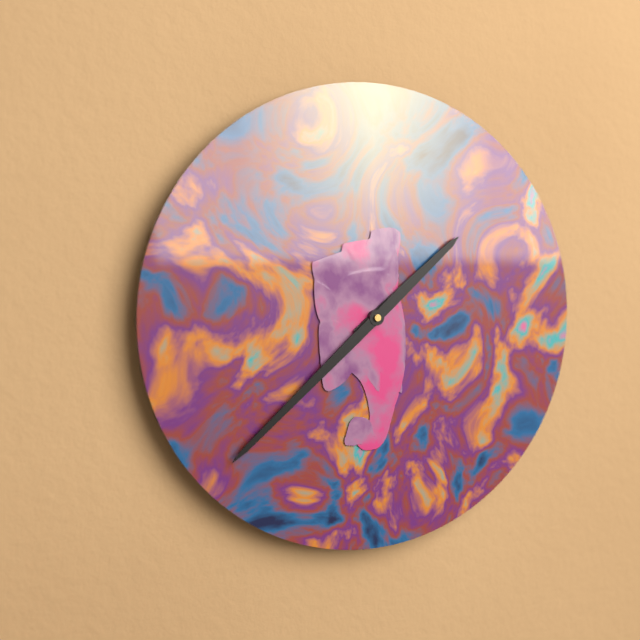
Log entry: 1:38
